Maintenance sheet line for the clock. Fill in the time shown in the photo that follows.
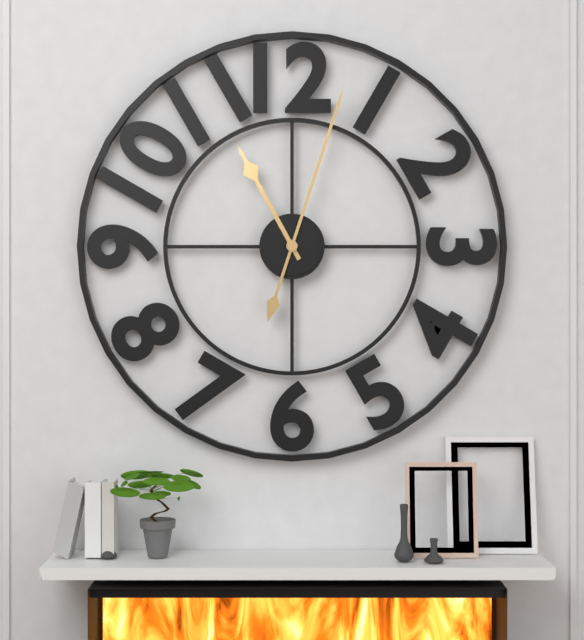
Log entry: 11:03
